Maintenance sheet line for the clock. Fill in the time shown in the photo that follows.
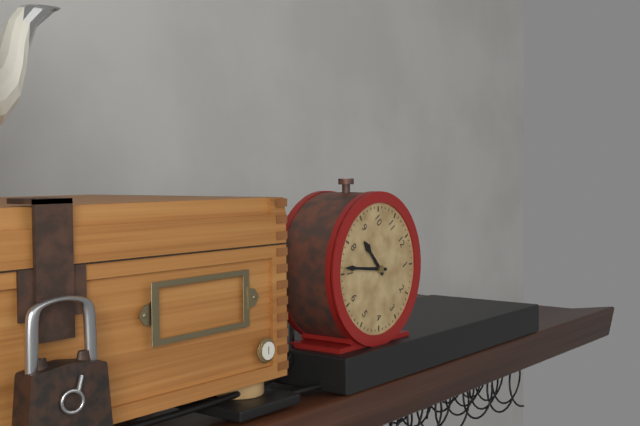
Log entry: 8:36
